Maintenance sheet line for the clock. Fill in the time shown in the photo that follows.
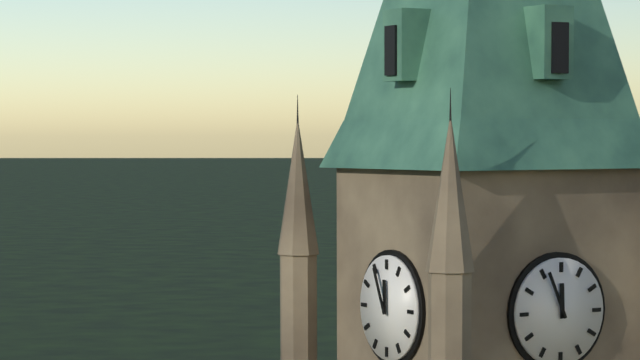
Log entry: 11:56
